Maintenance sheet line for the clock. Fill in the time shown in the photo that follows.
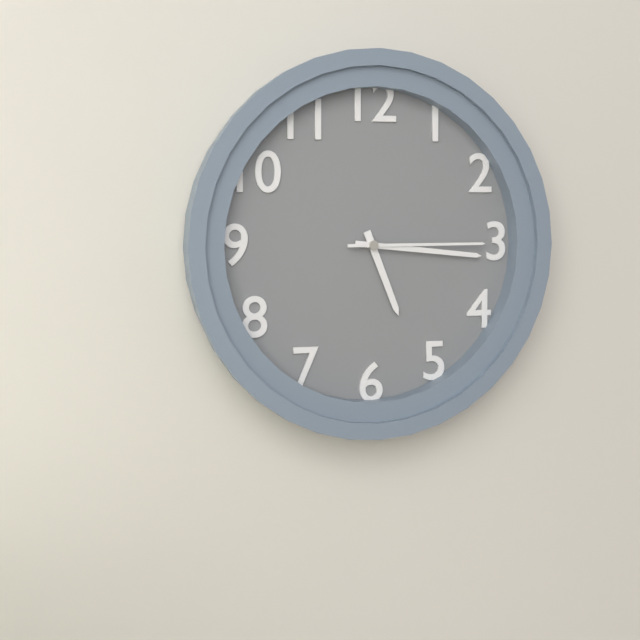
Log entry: 5:16:15
